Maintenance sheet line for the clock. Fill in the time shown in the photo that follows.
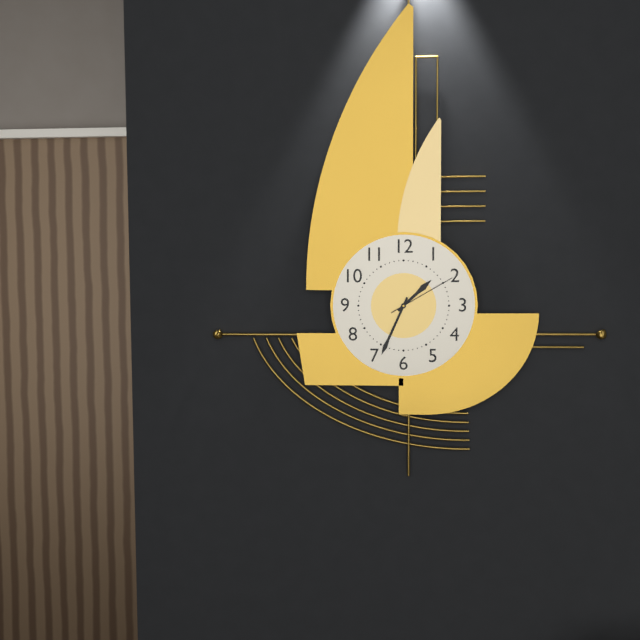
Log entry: 1:34:10
